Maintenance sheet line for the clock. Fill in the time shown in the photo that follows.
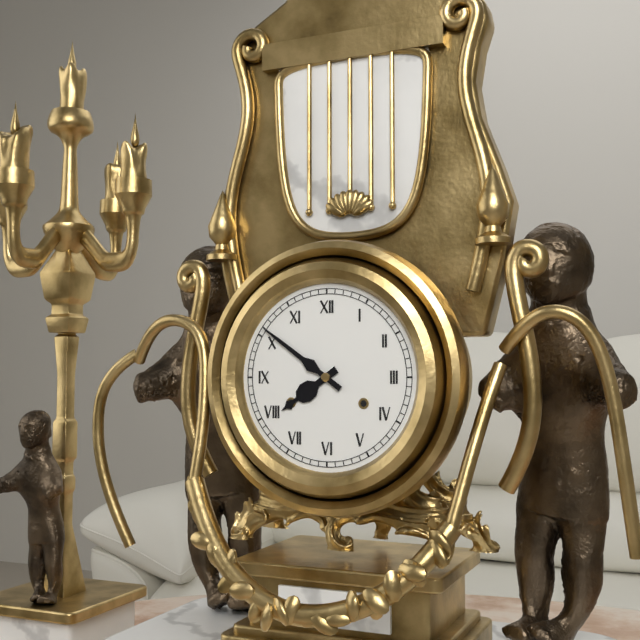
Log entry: 7:51
